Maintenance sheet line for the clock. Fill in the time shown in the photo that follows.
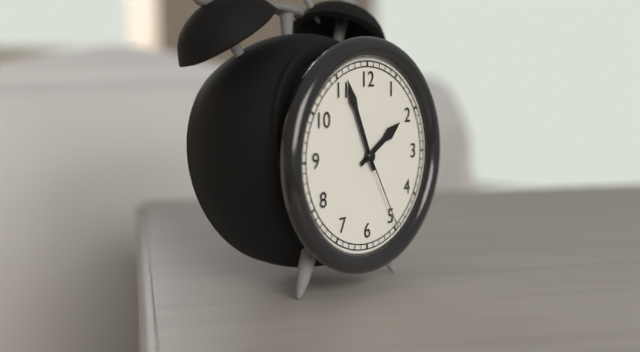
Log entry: 1:56:25
